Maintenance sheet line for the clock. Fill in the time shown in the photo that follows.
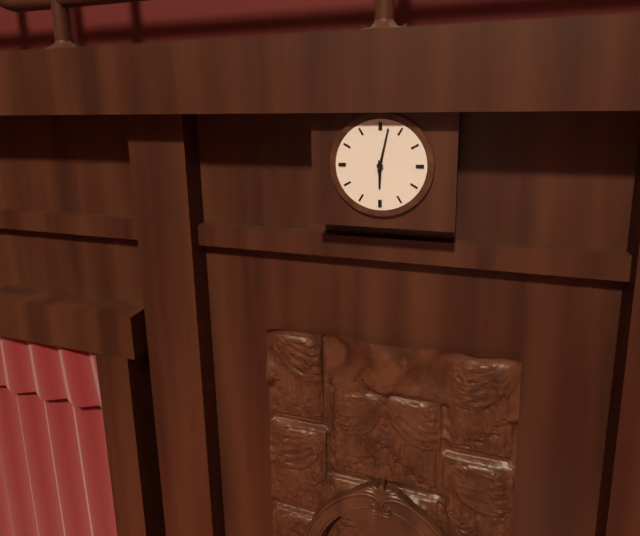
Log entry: 6:02
